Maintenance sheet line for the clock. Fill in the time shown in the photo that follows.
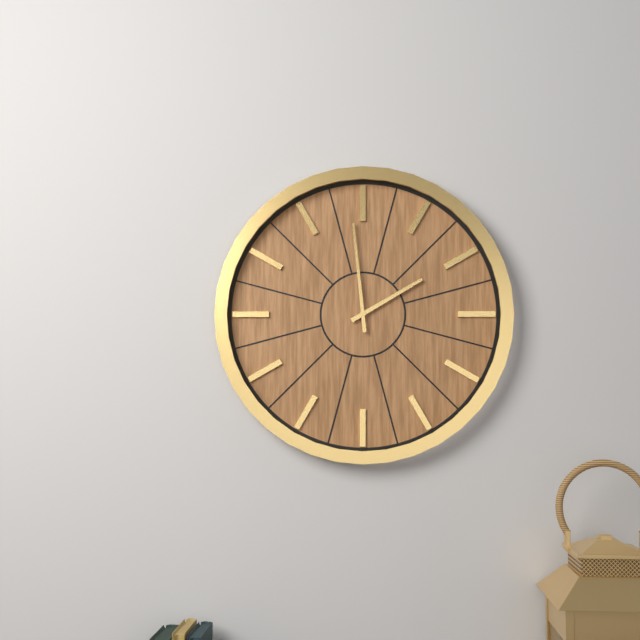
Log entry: 1:59
